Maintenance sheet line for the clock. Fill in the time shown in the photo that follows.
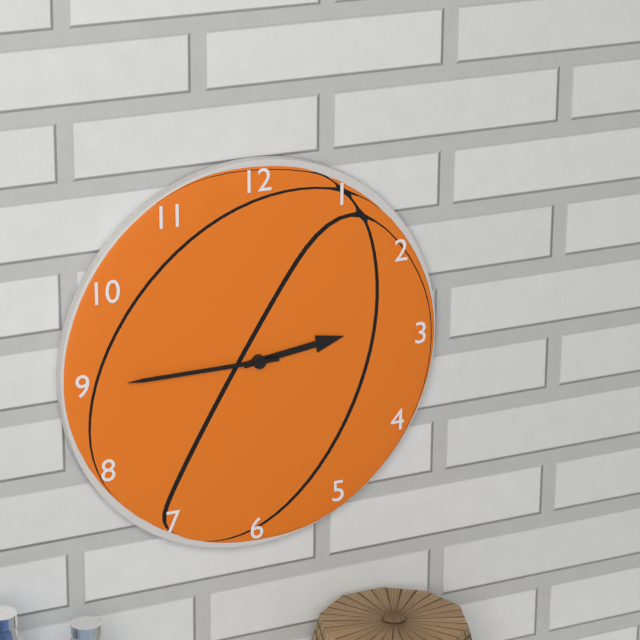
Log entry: 2:45
